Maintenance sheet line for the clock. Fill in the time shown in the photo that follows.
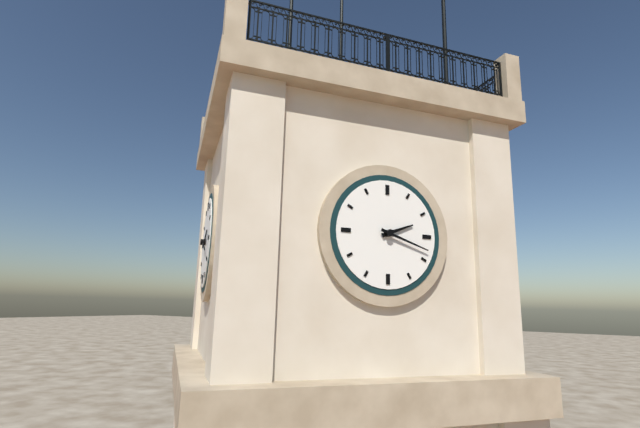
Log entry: 2:18
